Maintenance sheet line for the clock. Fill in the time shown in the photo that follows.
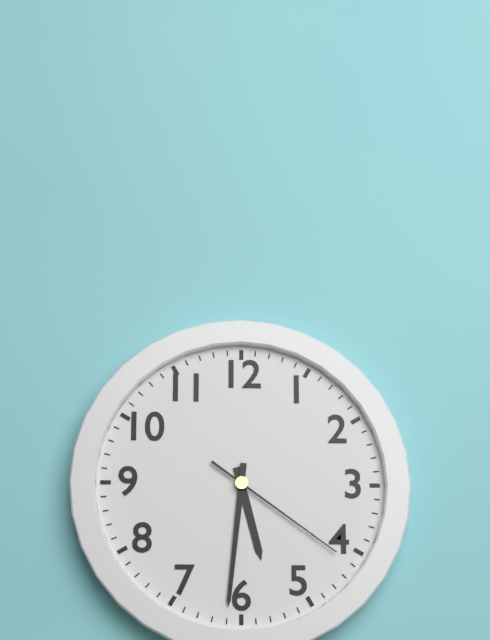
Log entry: 5:31:21
